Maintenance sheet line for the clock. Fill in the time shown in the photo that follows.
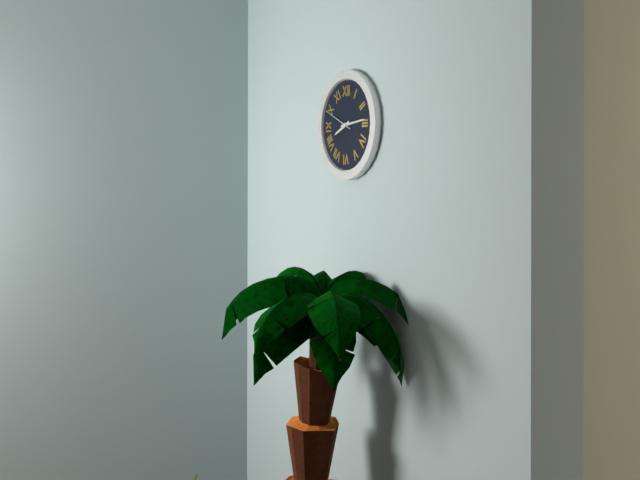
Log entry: 8:14
